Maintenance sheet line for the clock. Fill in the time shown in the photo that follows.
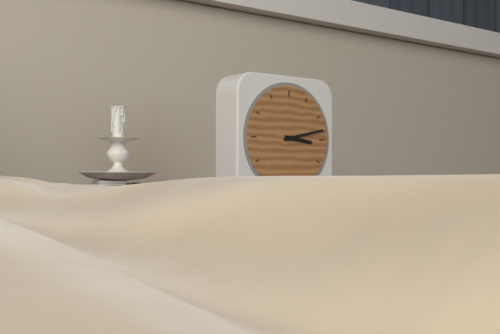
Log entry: 3:13
